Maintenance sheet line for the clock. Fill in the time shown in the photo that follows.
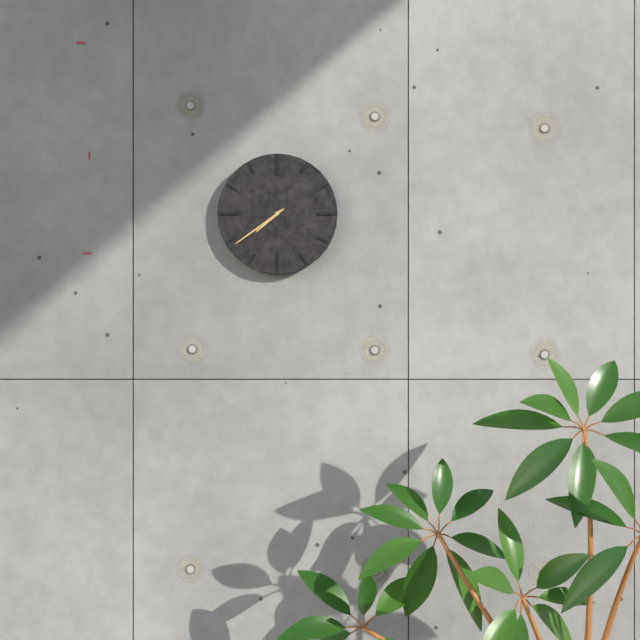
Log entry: 7:39
